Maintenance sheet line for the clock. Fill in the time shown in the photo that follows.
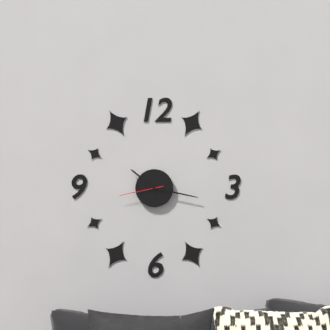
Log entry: 10:17
